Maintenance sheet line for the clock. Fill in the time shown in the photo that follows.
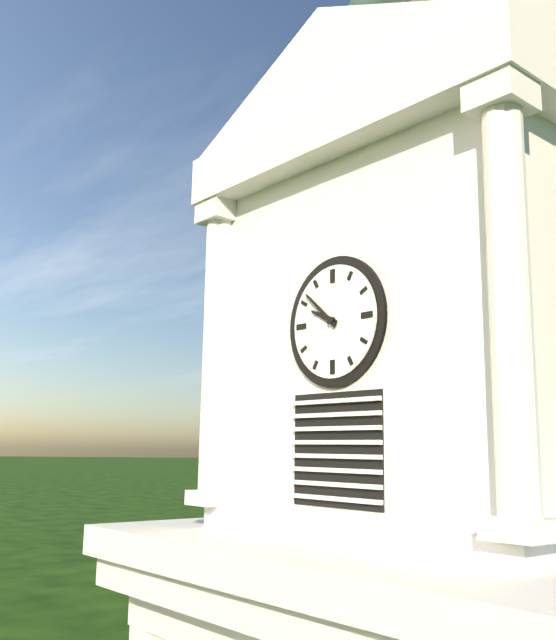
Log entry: 9:52
